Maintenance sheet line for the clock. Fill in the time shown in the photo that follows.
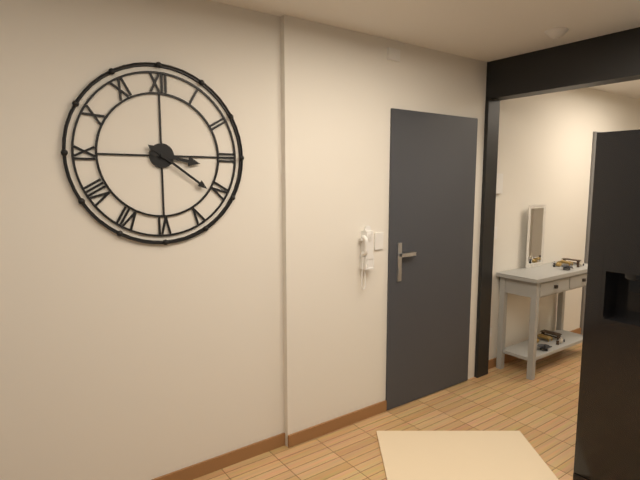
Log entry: 3:21
